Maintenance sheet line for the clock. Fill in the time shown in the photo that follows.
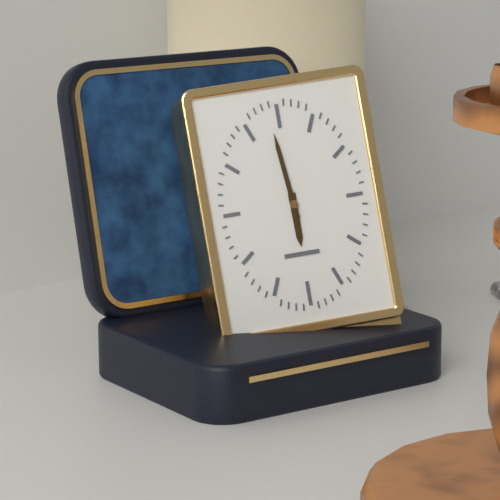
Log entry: 5:59
